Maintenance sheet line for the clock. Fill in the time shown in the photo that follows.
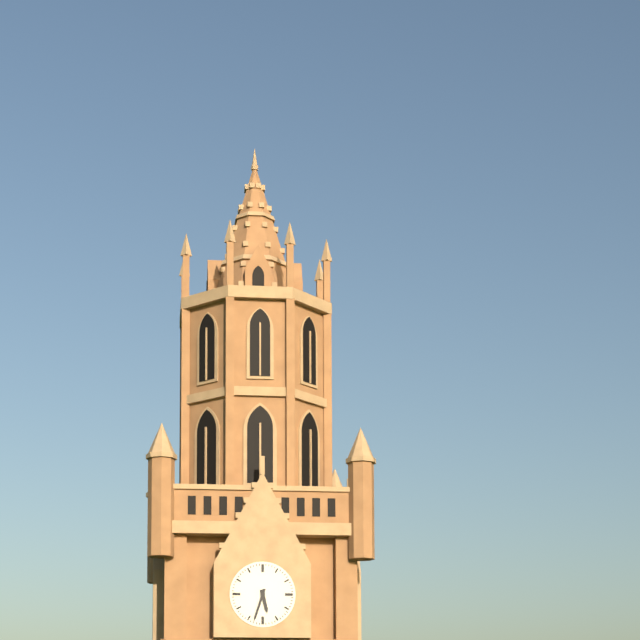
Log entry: 5:33
